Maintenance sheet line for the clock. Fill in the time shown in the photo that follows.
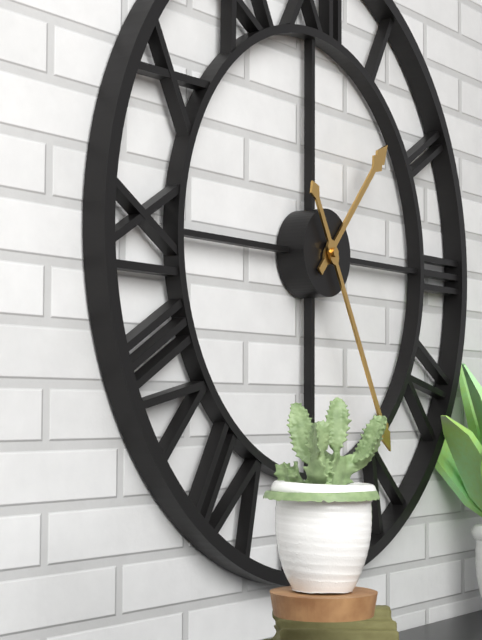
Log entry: 1:25
